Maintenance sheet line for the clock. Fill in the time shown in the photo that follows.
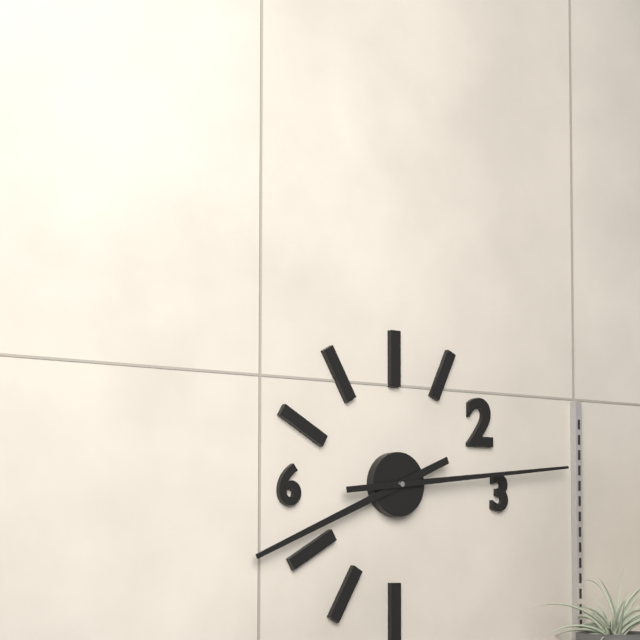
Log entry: 8:14
